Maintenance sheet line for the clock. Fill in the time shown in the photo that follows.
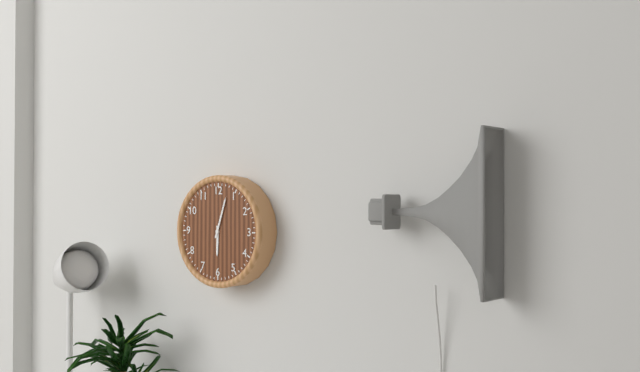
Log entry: 6:03
